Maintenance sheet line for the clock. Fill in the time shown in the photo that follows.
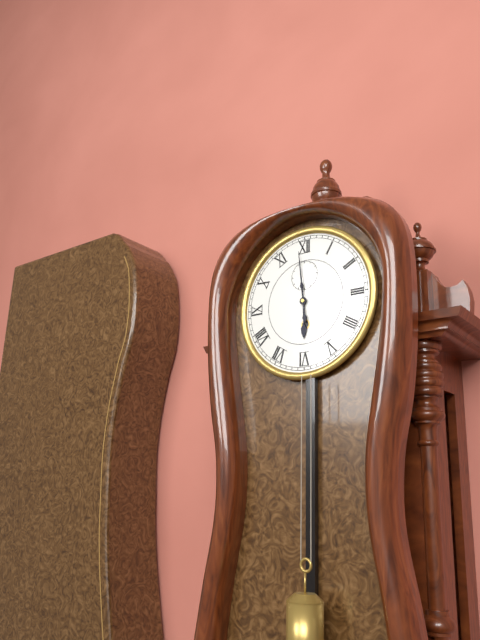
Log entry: 5:59
